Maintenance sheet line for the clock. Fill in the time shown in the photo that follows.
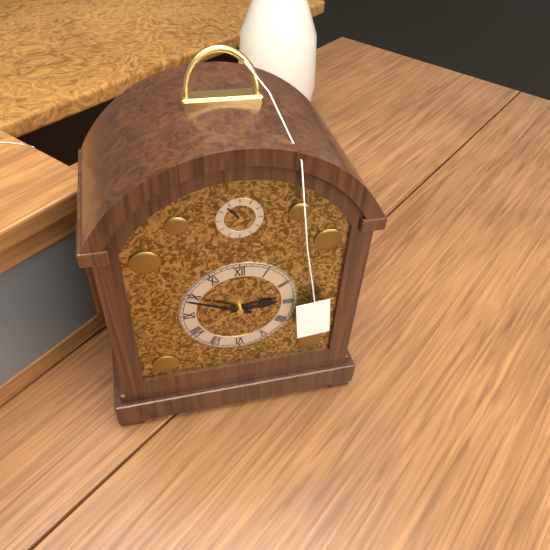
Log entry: 2:49
